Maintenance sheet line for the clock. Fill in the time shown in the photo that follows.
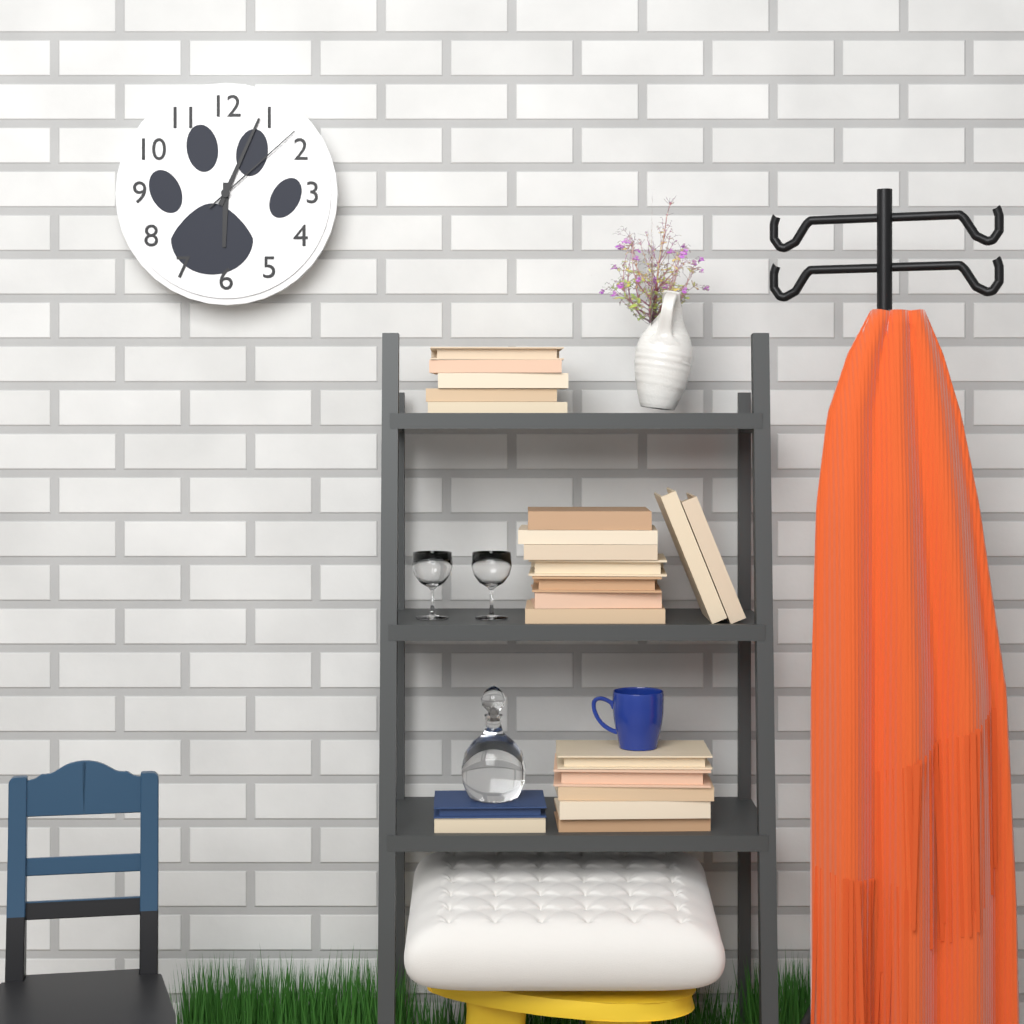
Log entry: 6:04:08
